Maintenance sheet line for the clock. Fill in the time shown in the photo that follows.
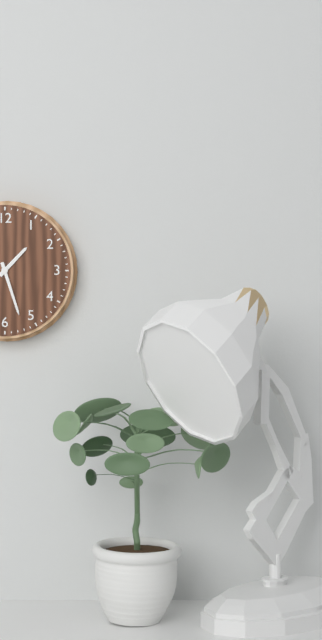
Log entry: 1:27
